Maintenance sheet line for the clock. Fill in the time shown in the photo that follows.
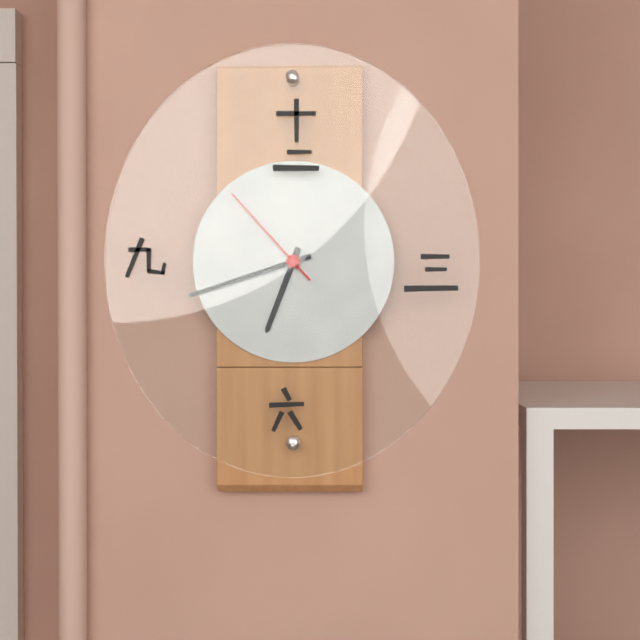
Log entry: 6:42:53
